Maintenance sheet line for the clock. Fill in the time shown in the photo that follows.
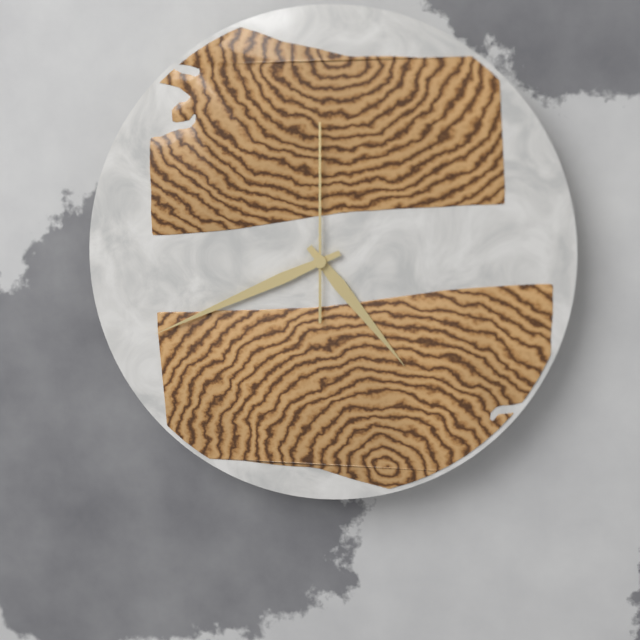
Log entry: 4:41:00
